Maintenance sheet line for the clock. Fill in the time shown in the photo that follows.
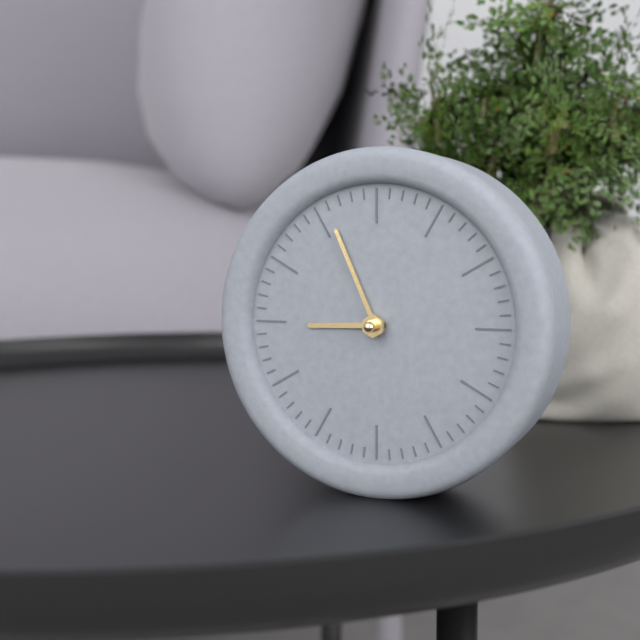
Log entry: 8:56
